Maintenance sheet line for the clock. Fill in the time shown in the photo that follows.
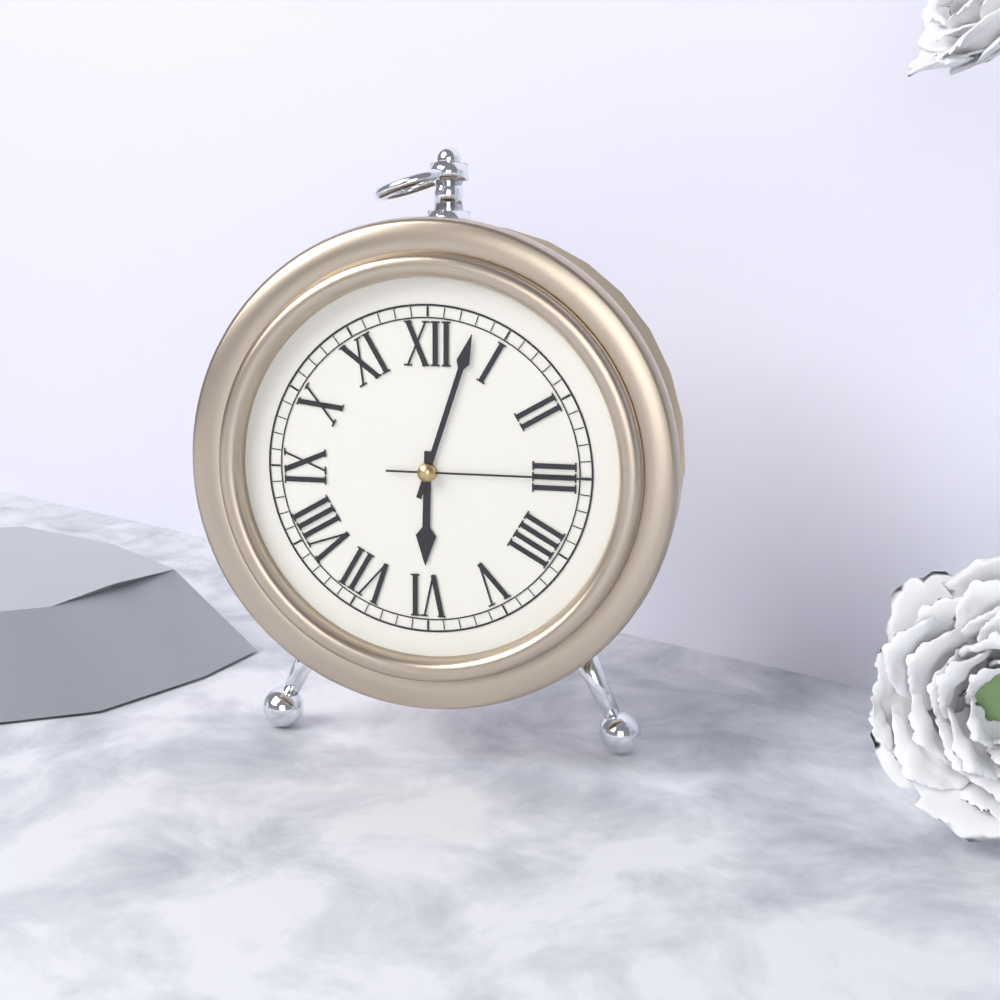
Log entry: 6:03:15
